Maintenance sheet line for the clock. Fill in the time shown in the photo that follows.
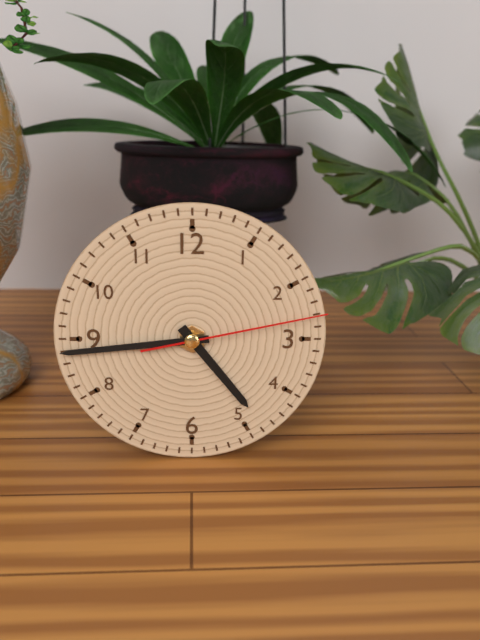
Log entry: 4:44:13
